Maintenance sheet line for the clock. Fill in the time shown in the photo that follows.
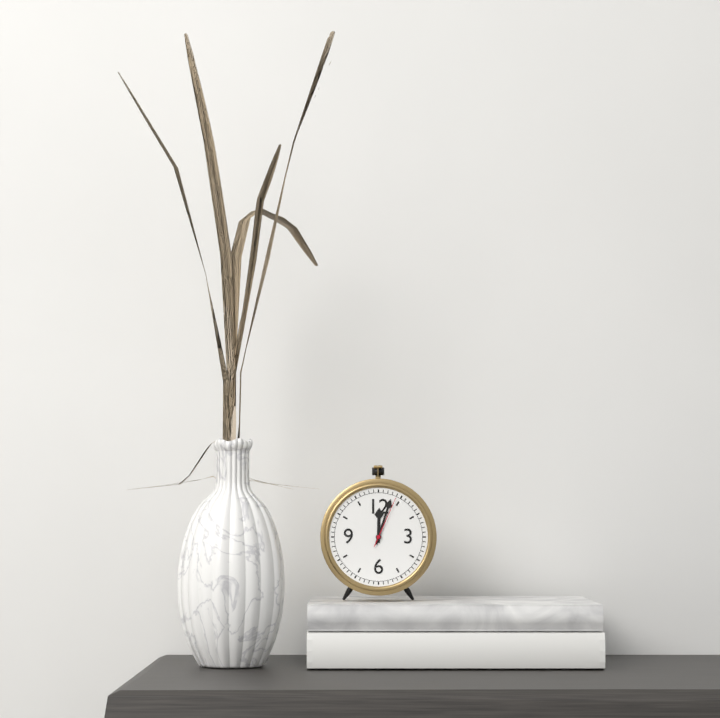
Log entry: 12:03:04
